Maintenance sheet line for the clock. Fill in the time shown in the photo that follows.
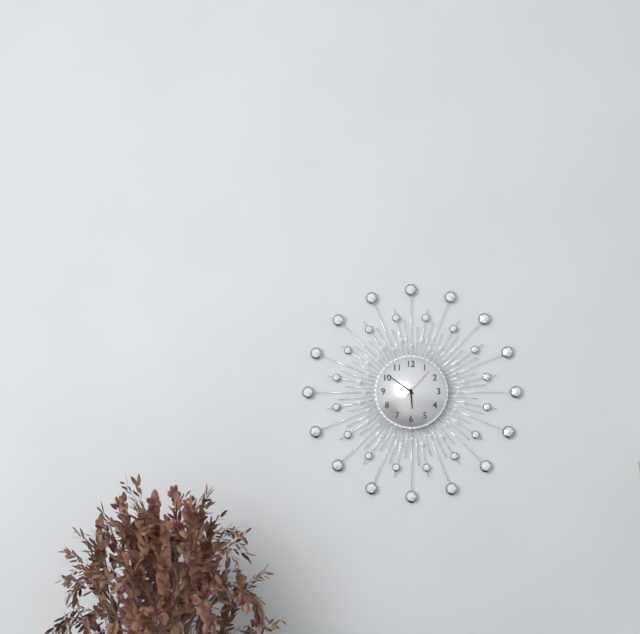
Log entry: 5:51
